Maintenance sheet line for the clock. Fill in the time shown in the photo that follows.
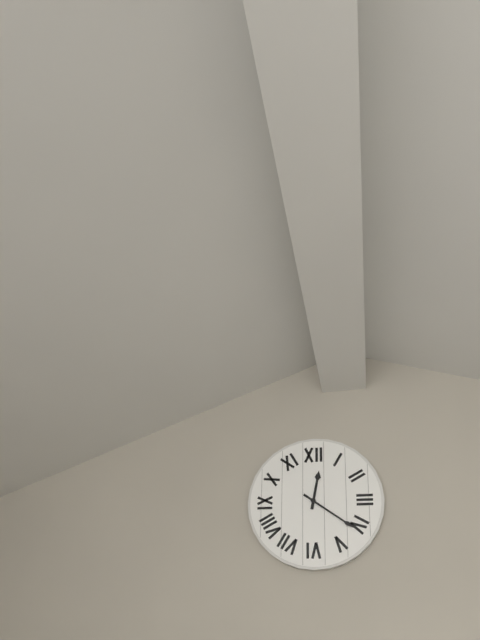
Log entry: 12:21
